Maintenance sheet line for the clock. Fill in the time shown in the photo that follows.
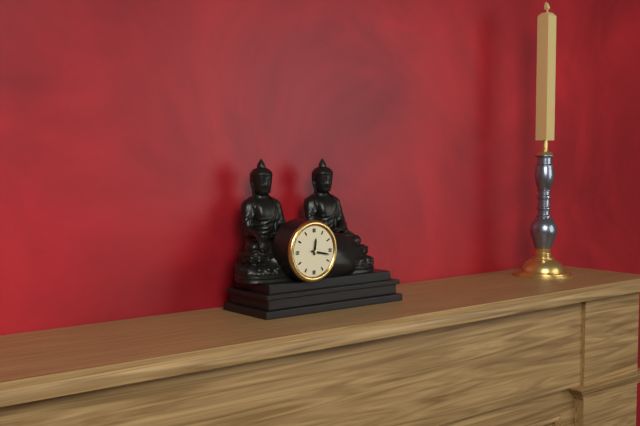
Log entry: 12:17
